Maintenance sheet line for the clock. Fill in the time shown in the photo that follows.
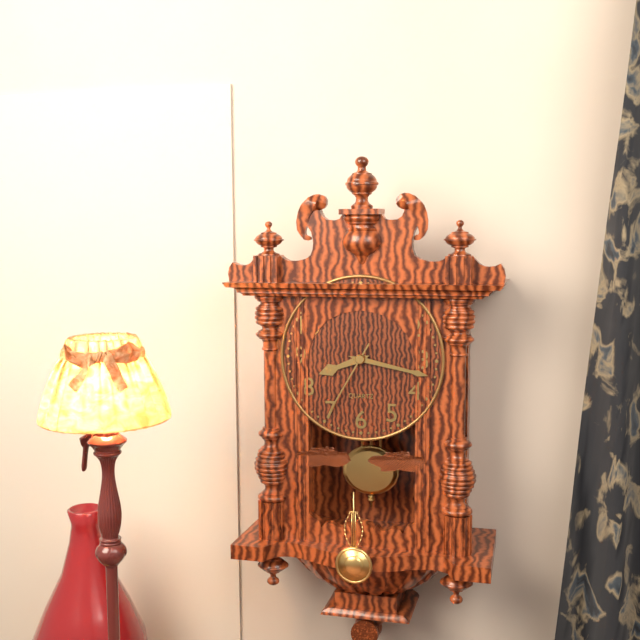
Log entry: 8:17:35
